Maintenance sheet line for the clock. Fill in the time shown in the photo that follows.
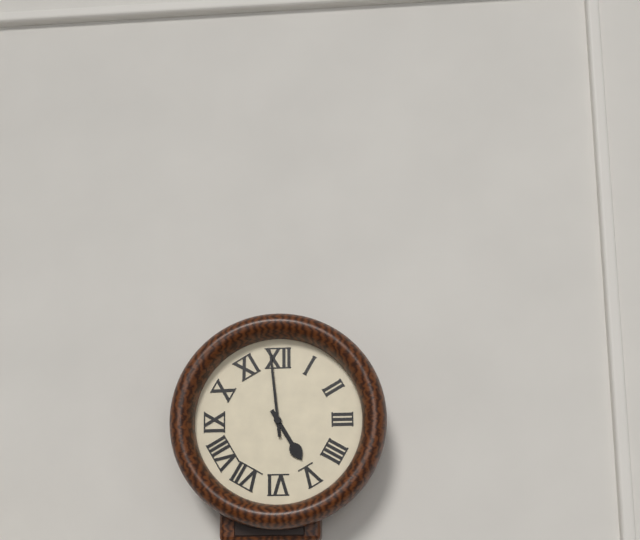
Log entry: 4:59
